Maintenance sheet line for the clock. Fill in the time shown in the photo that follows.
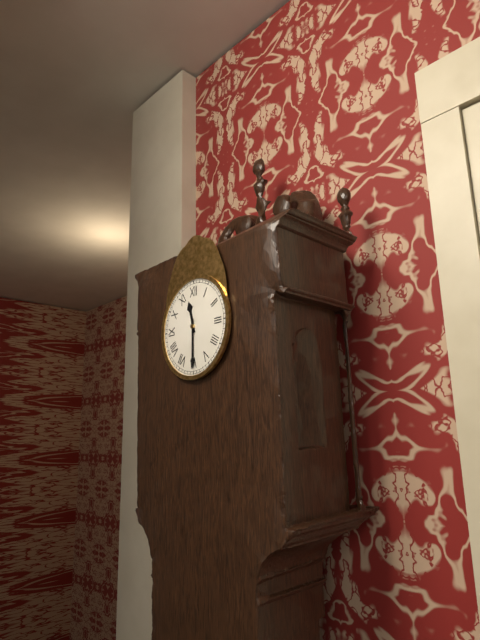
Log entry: 11:30
